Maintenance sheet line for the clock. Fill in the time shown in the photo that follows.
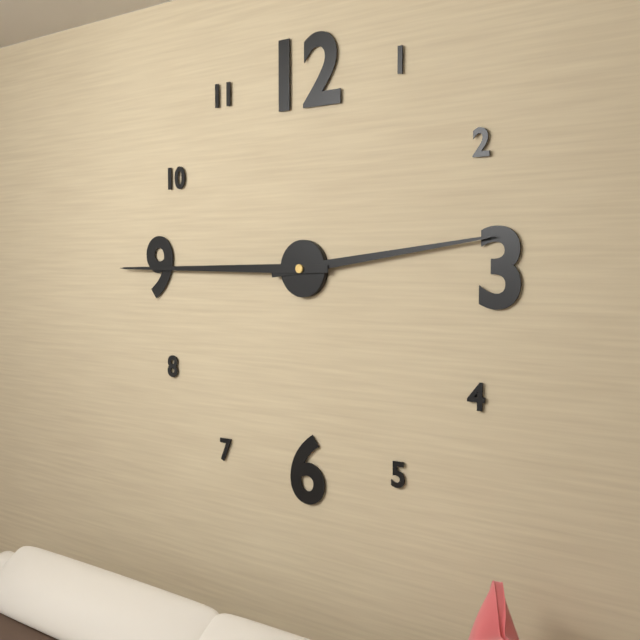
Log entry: 2:45
